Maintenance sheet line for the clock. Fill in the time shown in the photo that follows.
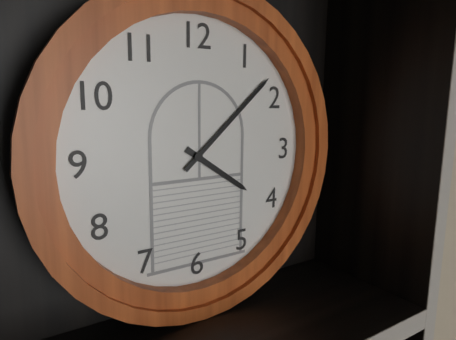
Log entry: 4:08
